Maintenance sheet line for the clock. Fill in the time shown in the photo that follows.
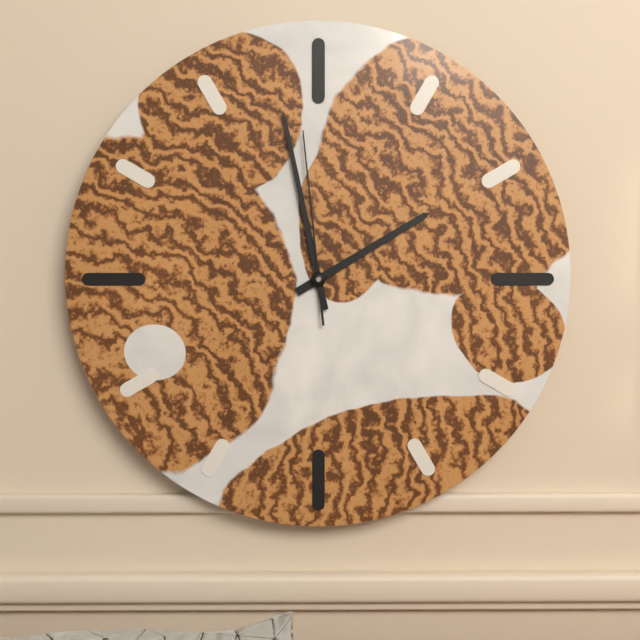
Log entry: 1:58:59
